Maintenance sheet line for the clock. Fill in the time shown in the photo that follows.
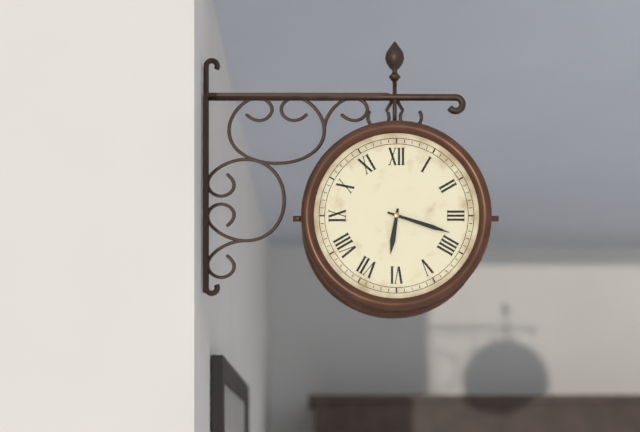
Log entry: 6:18
